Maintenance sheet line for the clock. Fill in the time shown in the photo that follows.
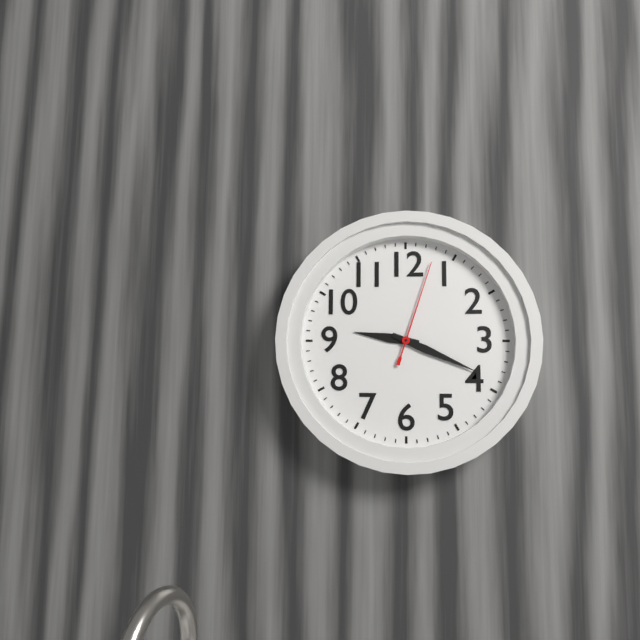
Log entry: 9:19:03
